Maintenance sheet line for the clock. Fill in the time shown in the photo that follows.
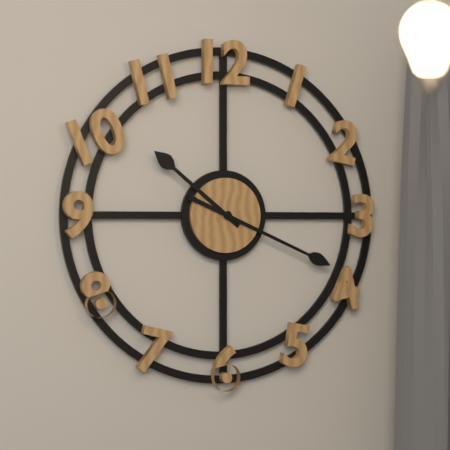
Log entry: 10:19
